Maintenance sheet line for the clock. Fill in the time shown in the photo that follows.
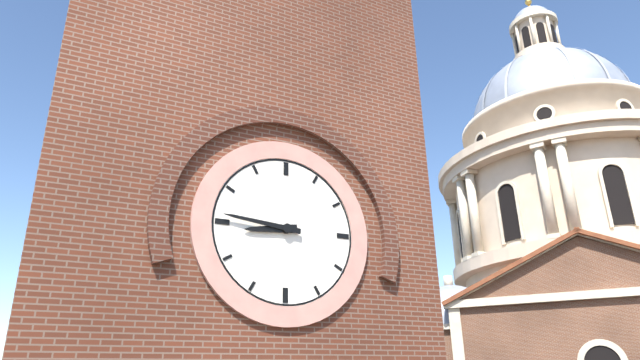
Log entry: 8:46
